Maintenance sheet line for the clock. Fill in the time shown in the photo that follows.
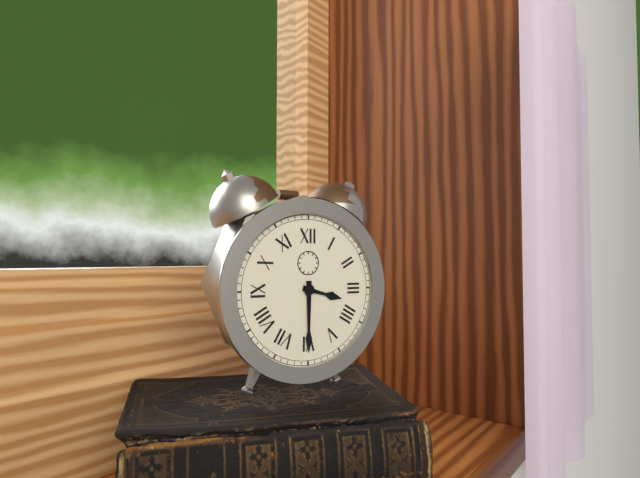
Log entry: 3:30
